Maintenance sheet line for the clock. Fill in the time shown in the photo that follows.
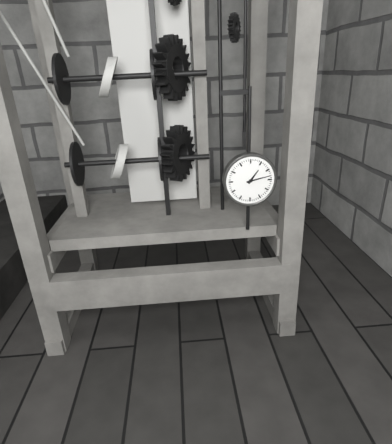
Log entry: 1:13
